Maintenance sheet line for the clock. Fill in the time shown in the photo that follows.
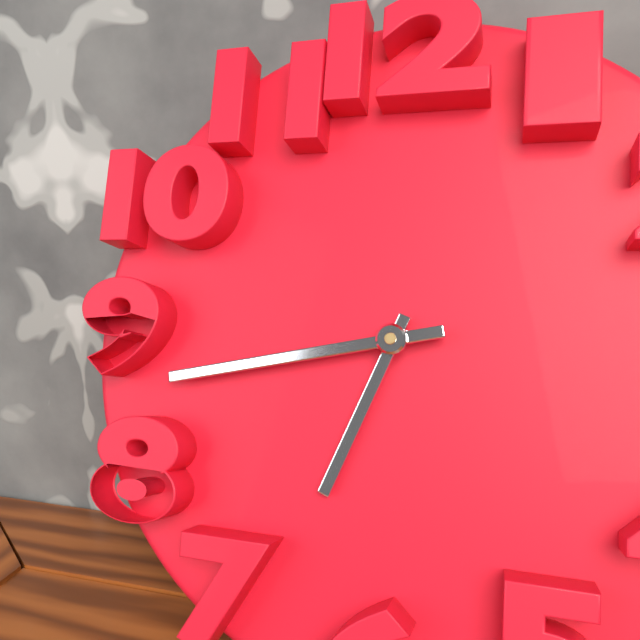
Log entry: 6:43
